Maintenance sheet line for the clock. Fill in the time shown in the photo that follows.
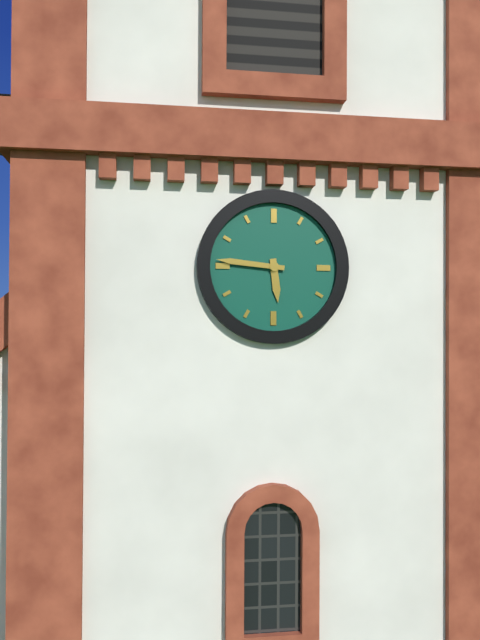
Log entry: 5:46
